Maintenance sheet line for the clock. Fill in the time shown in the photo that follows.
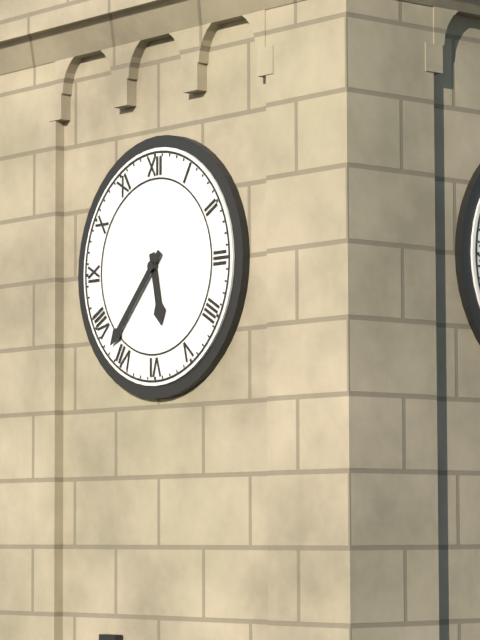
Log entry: 5:37
